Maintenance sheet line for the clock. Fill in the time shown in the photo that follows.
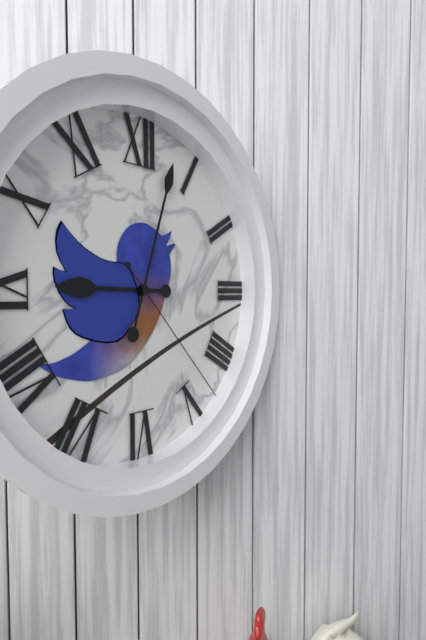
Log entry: 9:03:23
